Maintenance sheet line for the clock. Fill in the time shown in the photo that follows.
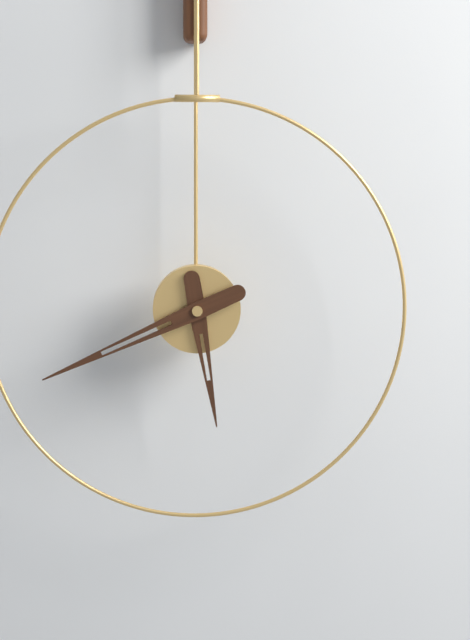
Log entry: 5:41
